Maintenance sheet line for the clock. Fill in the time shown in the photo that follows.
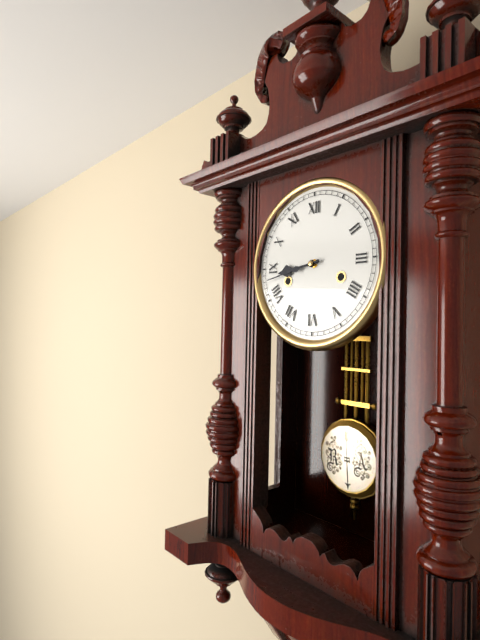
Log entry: 8:43
